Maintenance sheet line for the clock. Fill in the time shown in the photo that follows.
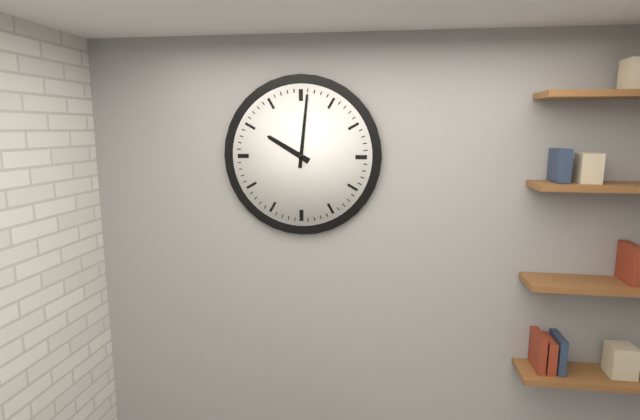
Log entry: 10:01
